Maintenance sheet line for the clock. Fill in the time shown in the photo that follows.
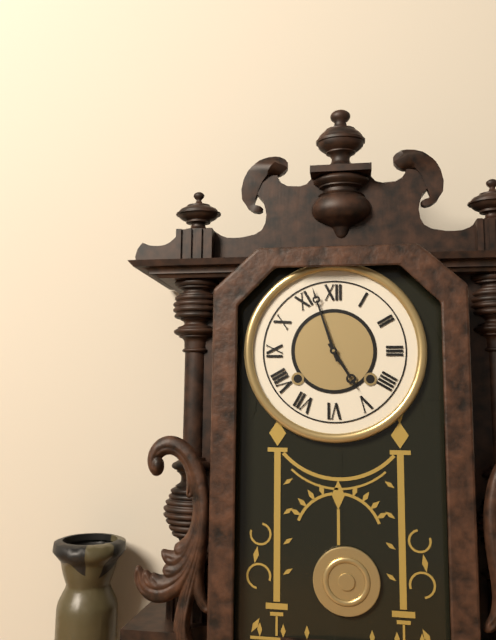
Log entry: 4:57
